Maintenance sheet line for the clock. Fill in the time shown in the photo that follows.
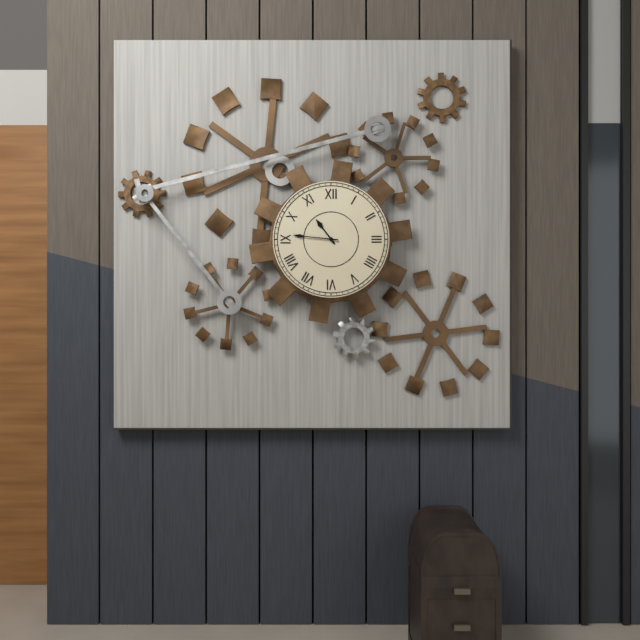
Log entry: 10:46
